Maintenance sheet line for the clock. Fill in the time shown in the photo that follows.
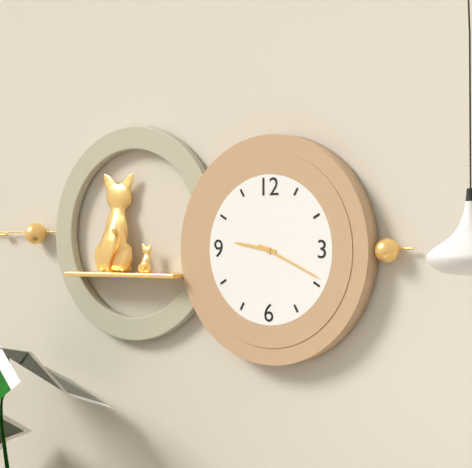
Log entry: 9:19
